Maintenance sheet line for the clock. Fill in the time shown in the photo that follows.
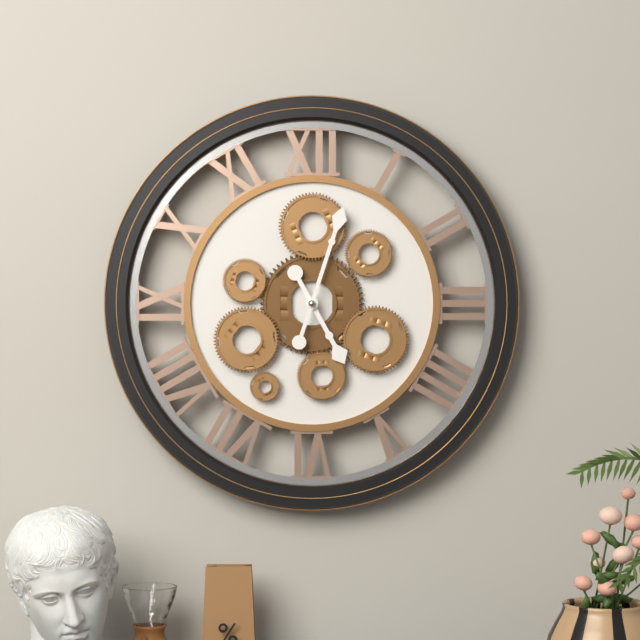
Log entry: 5:03
